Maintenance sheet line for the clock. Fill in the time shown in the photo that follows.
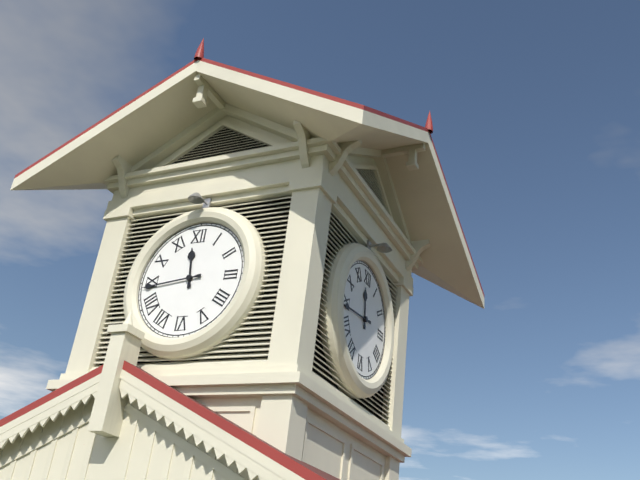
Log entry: 11:44
